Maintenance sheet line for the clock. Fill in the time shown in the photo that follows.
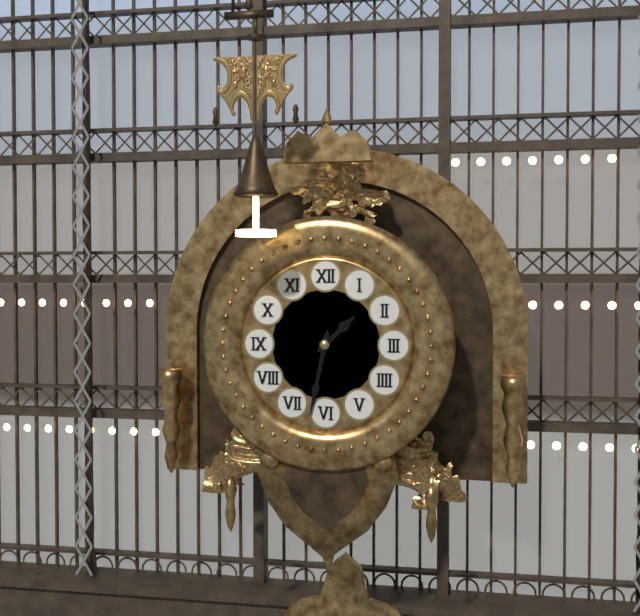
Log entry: 1:32
